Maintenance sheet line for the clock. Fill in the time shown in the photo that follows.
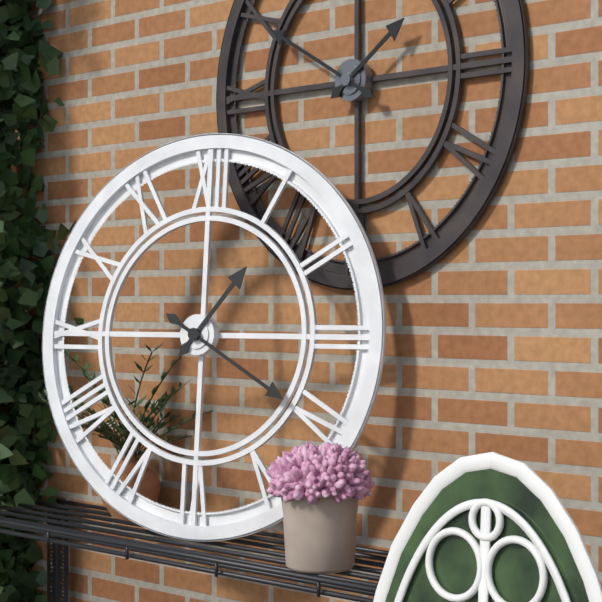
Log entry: 1:20
